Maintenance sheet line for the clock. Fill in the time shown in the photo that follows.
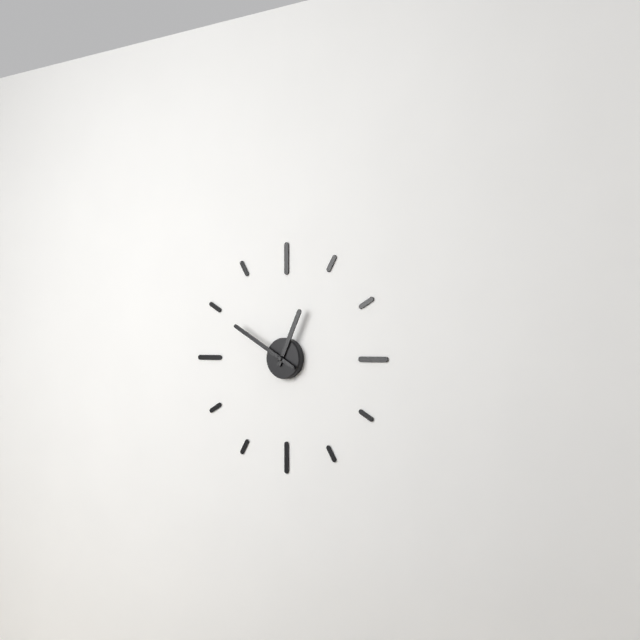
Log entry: 12:50
